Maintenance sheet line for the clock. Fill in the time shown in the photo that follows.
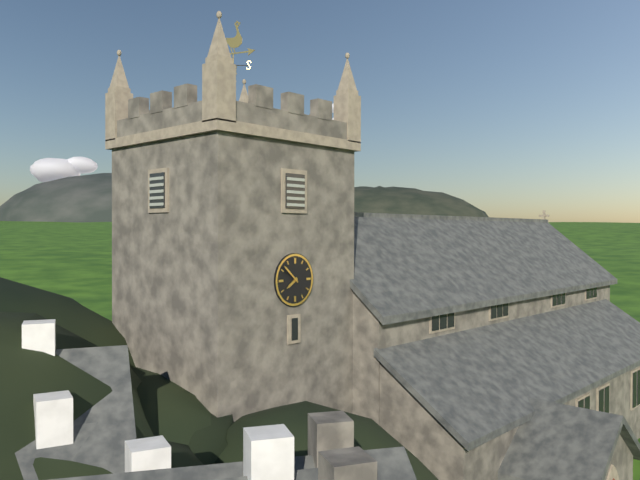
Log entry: 7:52
